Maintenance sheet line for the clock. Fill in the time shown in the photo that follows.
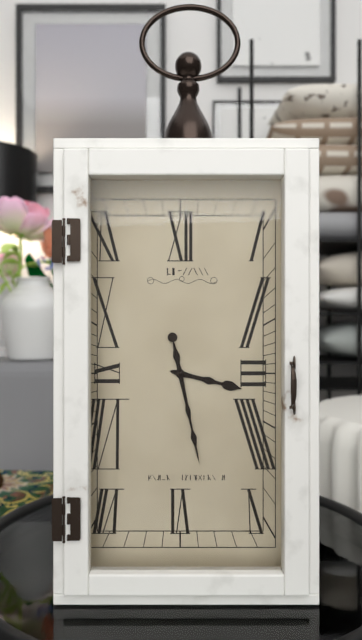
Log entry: 3:28
